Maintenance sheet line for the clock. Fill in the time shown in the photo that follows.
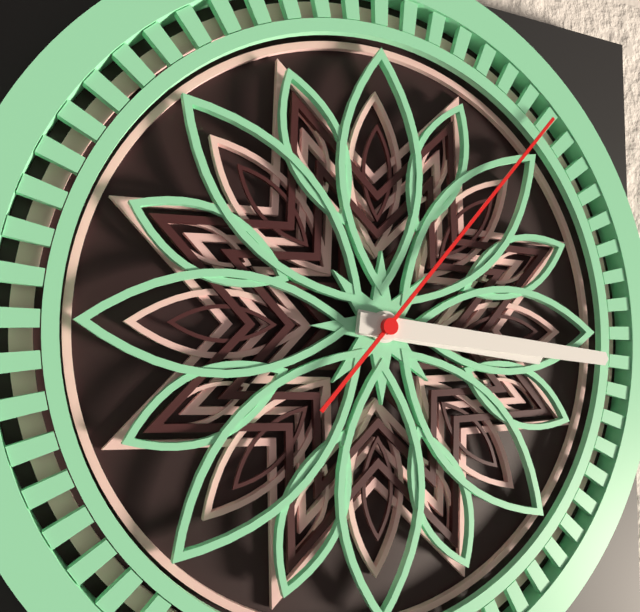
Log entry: 3:16:07
